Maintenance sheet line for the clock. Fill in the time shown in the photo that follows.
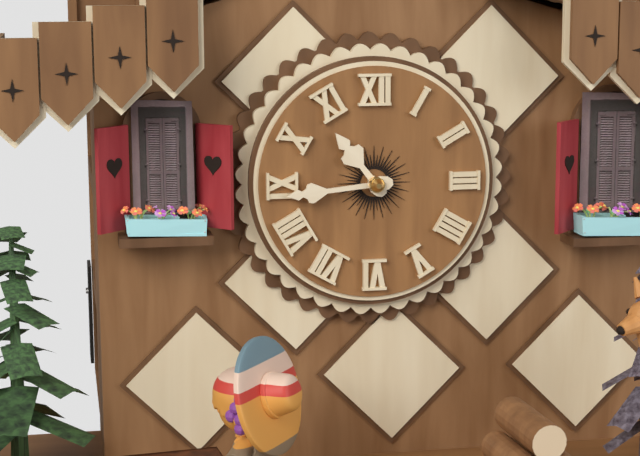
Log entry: 10:44
